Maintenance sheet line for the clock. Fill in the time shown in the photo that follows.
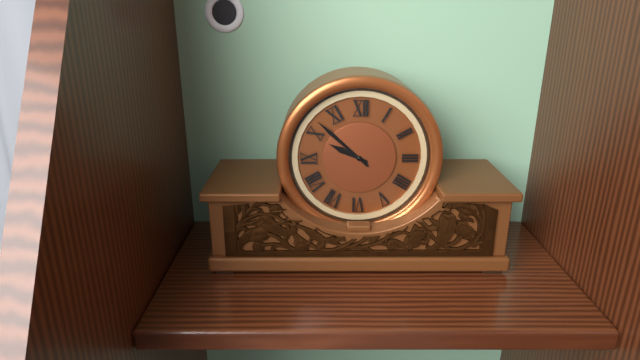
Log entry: 9:52
